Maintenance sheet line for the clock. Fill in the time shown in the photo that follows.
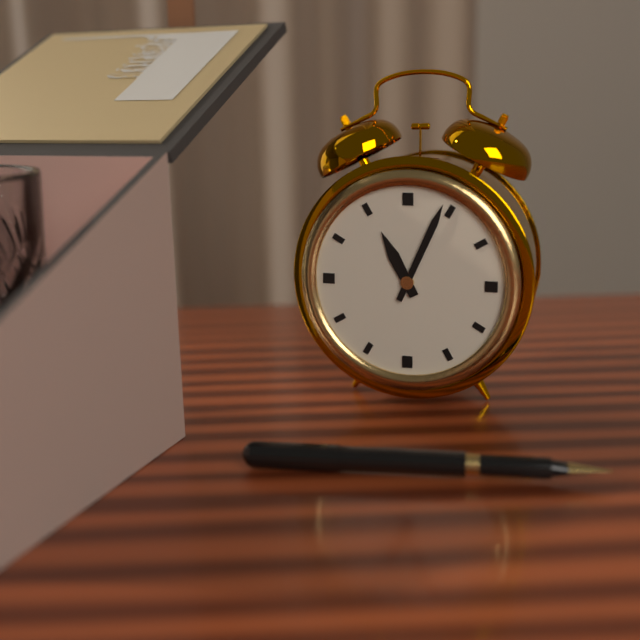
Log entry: 11:04
